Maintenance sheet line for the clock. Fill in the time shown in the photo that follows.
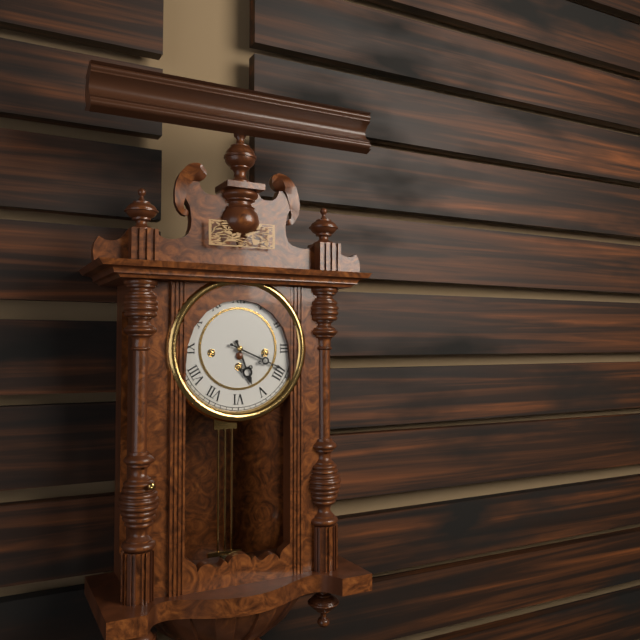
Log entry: 5:19
